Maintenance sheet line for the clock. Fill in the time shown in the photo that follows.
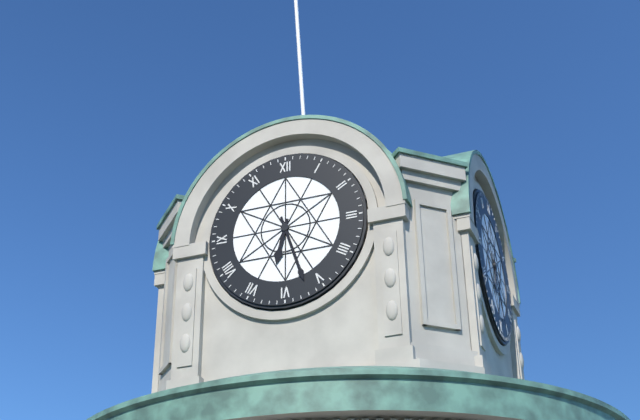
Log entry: 6:27
